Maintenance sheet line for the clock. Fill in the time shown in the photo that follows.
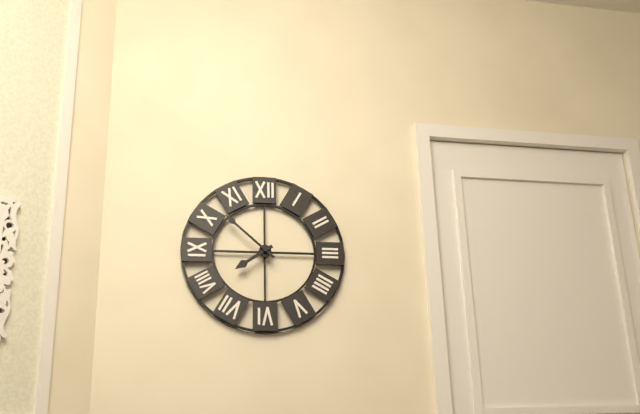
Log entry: 7:52
